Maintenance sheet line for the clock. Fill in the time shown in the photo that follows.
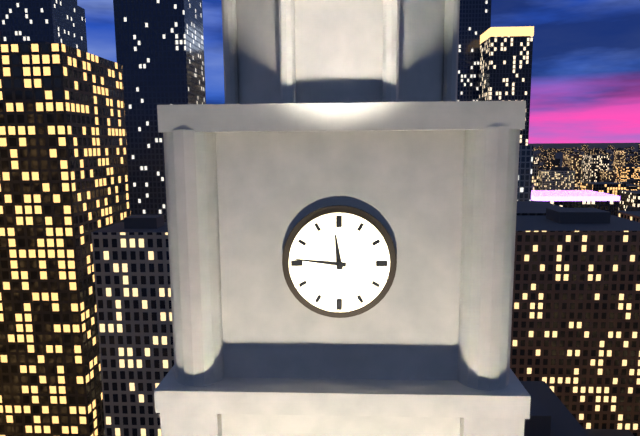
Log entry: 11:46
